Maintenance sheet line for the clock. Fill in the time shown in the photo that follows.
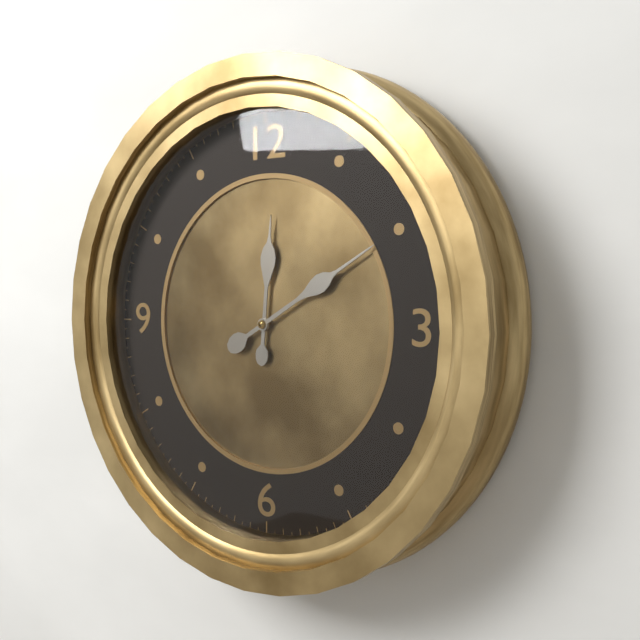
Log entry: 12:10
